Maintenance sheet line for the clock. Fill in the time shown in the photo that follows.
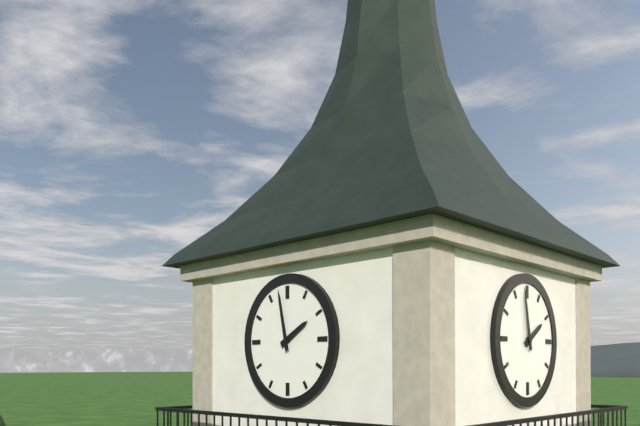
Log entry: 1:58
